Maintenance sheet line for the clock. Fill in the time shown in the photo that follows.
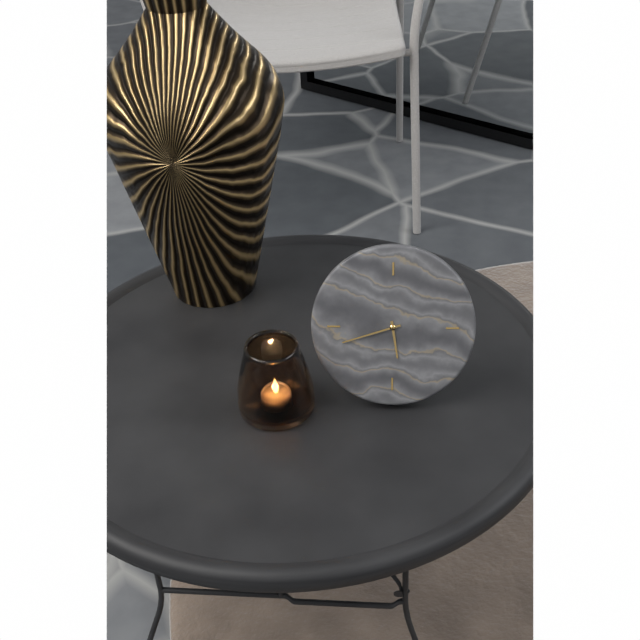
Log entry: 5:42
